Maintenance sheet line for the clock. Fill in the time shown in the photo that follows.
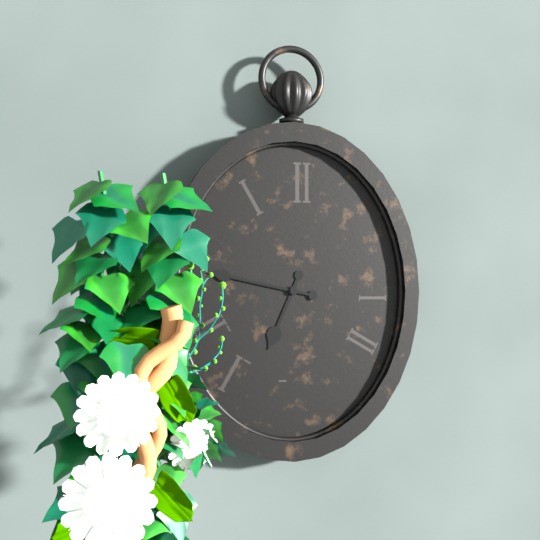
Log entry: 6:47
